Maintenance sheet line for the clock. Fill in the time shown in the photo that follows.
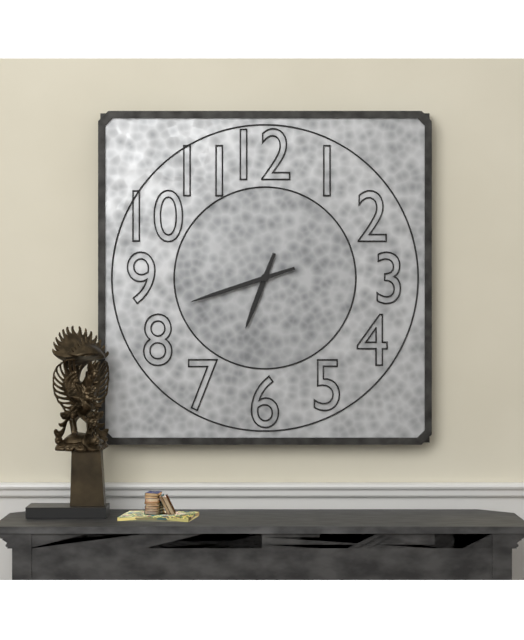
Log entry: 6:42
